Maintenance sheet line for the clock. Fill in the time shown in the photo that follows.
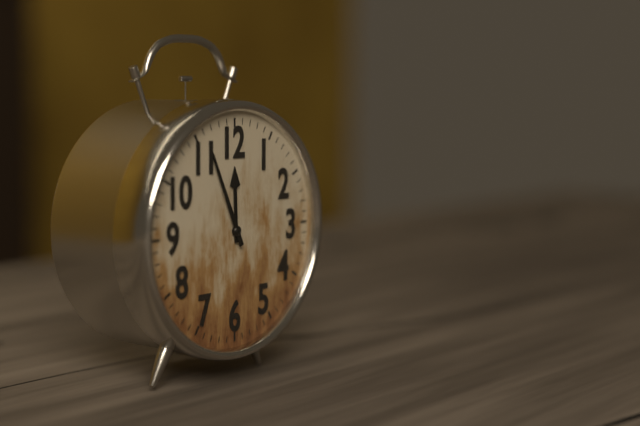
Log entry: 11:56
